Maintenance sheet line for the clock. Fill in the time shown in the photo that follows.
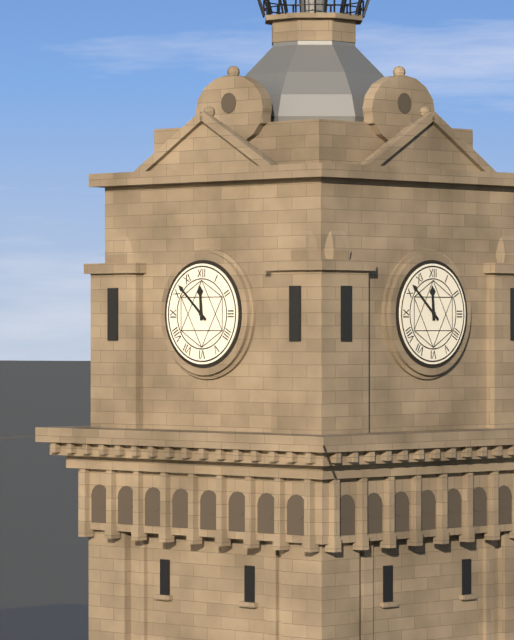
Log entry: 11:52
